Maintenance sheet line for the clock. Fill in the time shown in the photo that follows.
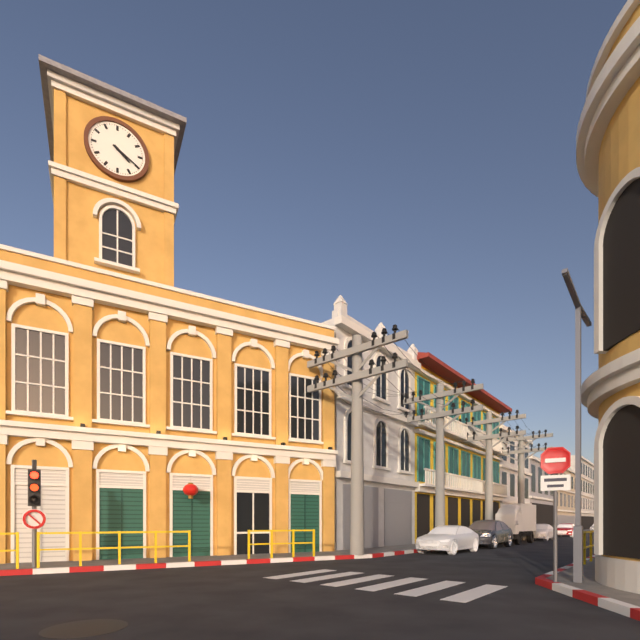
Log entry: 4:20
